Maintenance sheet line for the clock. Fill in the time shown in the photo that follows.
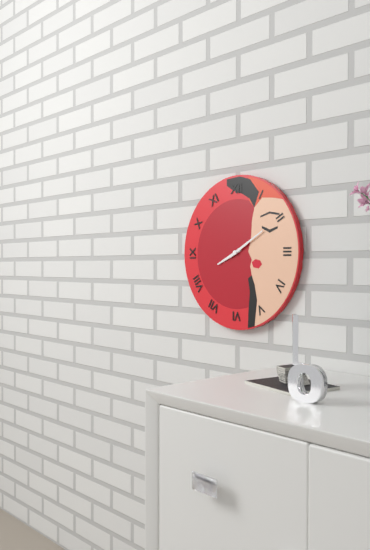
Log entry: 8:10
